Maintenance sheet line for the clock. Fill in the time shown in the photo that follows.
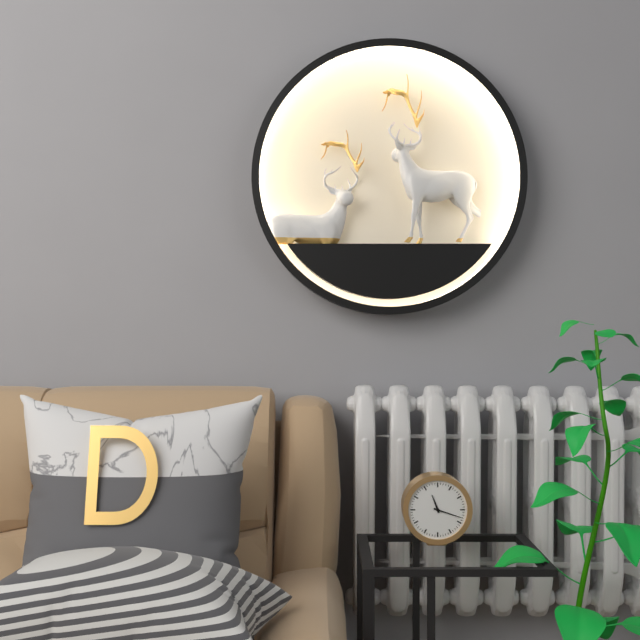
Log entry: 11:18
